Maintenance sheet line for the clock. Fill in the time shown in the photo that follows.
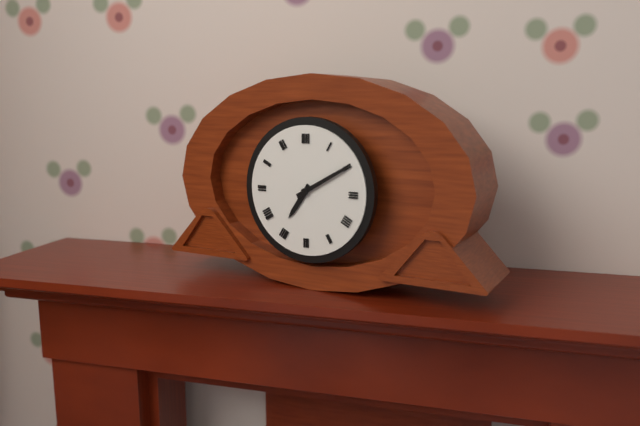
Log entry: 7:10
